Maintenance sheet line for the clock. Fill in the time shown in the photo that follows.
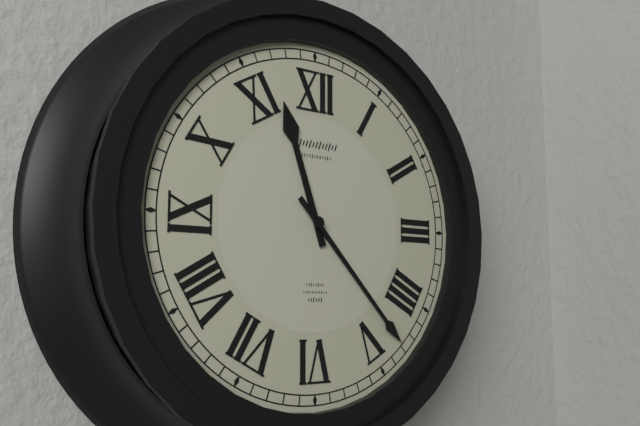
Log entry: 11:23
